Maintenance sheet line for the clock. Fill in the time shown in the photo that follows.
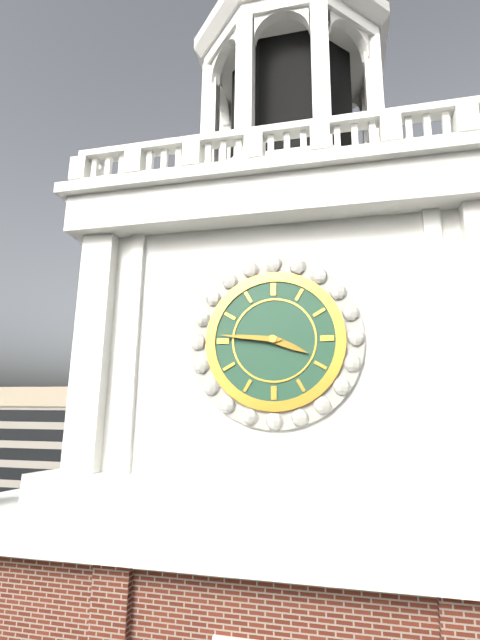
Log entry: 3:46
